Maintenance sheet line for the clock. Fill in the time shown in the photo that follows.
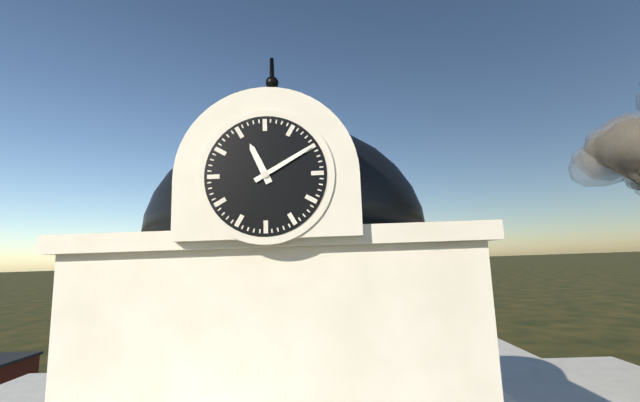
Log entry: 11:10
